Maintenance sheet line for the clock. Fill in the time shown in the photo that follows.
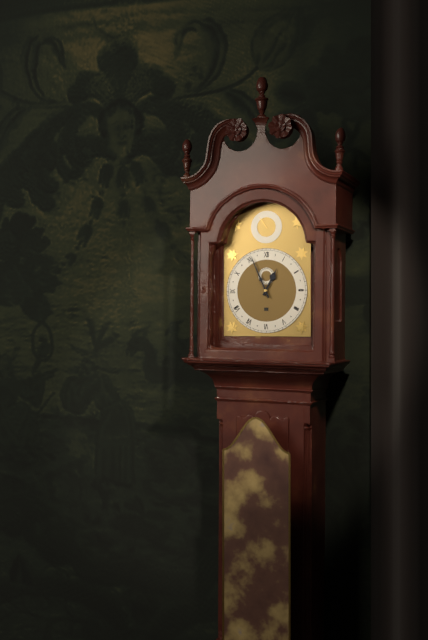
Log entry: 12:56
